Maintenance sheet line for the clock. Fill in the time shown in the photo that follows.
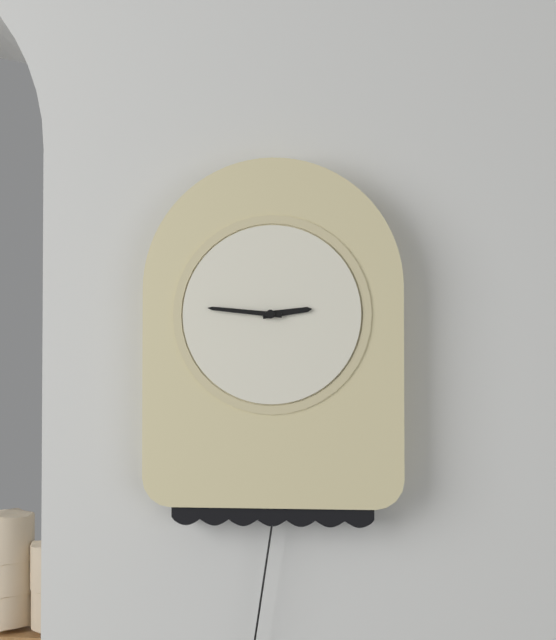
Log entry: 2:46
